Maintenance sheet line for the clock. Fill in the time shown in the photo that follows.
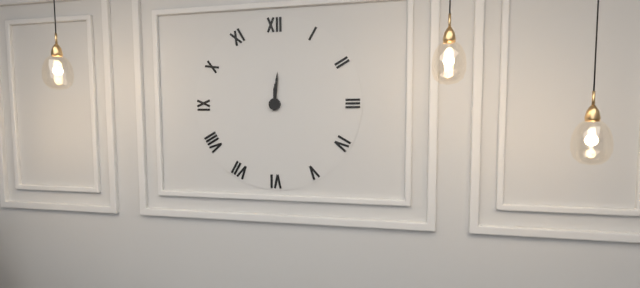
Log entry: 12:01
